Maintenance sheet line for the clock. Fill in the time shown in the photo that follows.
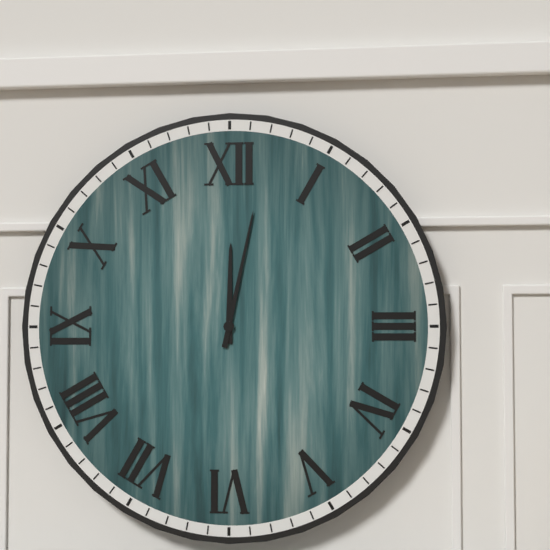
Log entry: 12:02
